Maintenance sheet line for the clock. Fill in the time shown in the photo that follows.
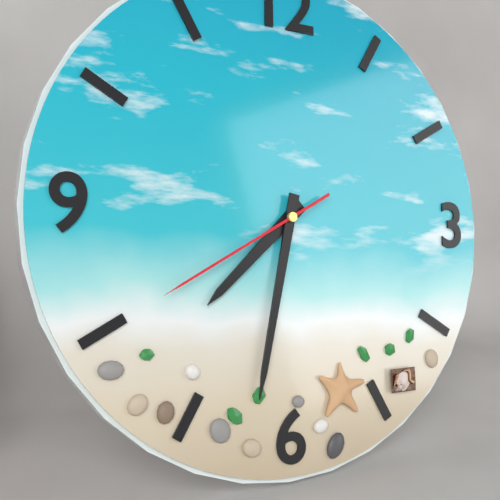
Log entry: 7:32:40
